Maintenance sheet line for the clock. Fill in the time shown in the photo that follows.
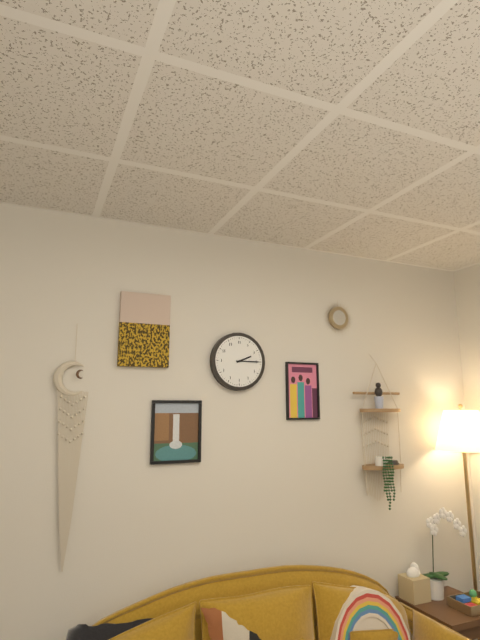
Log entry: 2:15
